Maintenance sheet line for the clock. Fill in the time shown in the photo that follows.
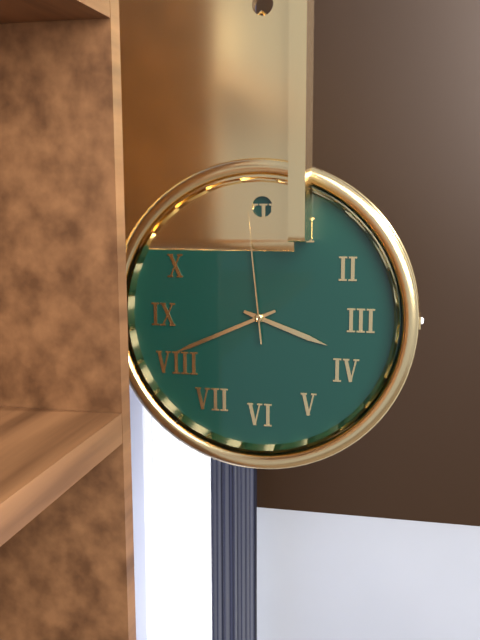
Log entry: 3:41:59
